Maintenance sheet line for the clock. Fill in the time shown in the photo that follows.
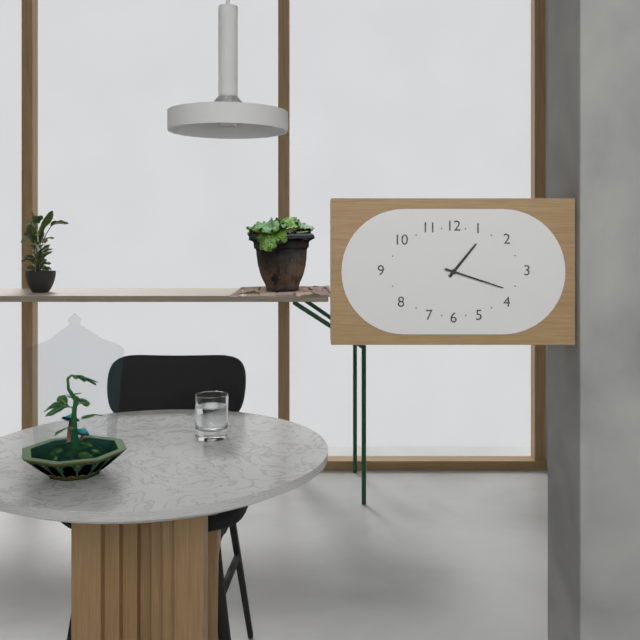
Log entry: 1:18
